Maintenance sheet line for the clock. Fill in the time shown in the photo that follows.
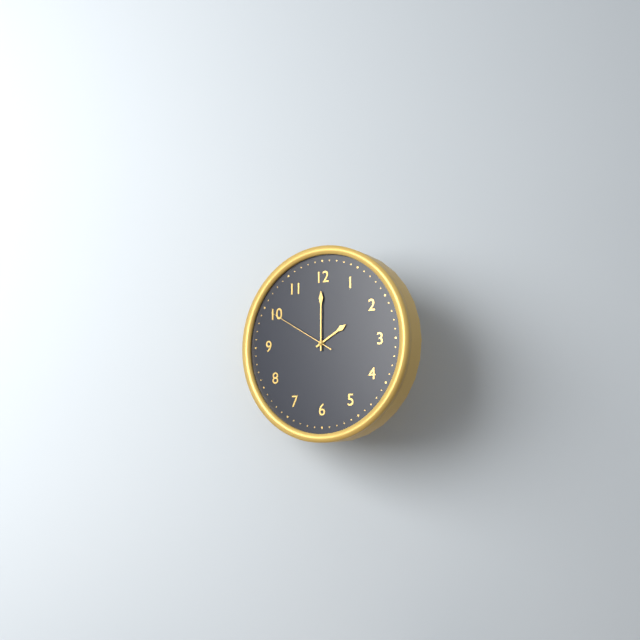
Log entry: 2:00:50
